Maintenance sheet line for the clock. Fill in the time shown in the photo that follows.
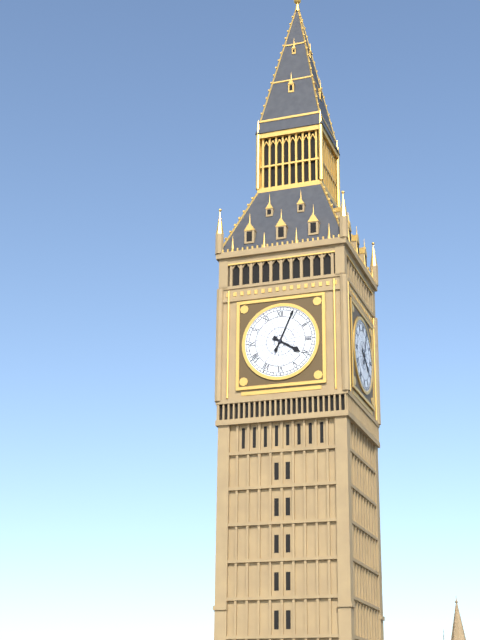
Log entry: 4:04
